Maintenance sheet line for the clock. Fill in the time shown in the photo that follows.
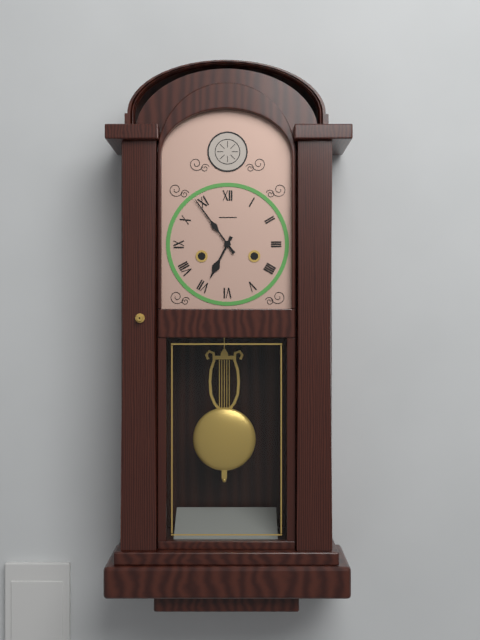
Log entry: 6:54
